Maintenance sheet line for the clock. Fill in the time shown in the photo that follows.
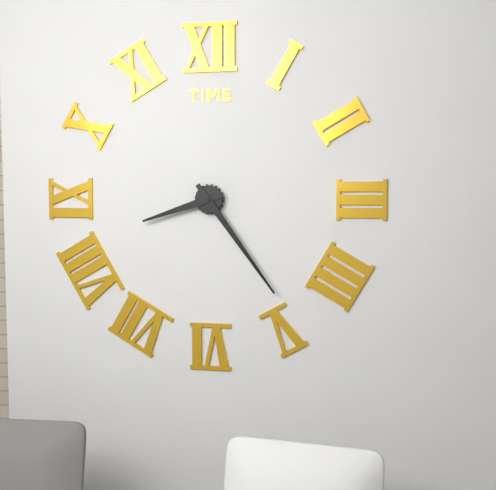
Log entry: 8:24
